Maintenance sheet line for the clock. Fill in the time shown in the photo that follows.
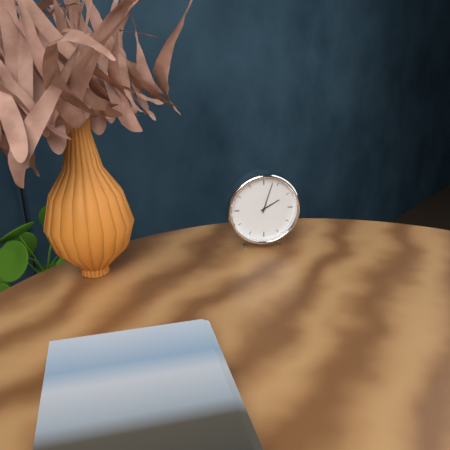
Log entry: 2:03
